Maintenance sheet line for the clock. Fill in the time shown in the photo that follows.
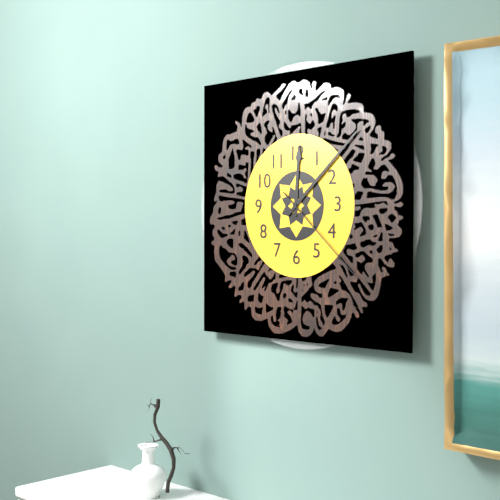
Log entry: 12:08:22
